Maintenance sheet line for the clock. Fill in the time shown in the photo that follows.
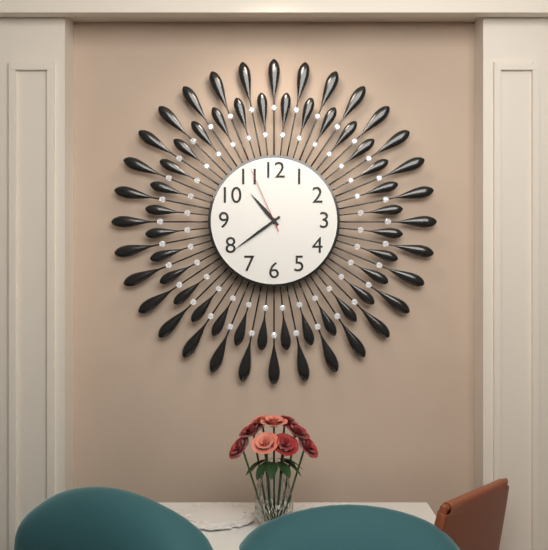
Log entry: 10:39:56
